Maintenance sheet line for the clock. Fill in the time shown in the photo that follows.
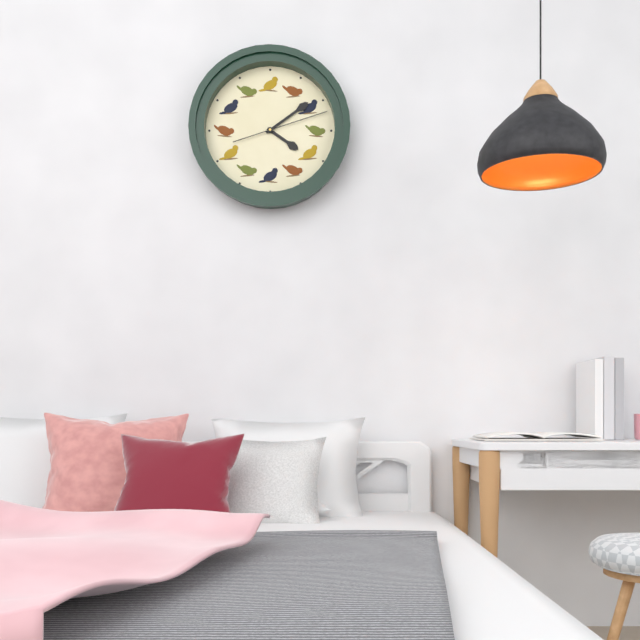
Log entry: 4:09:12
